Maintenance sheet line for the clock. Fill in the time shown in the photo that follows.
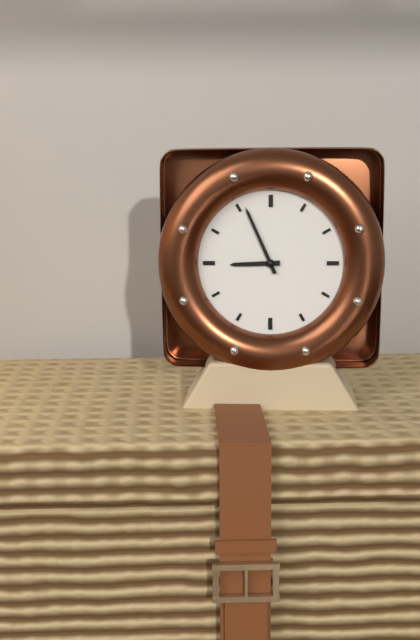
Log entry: 8:56
